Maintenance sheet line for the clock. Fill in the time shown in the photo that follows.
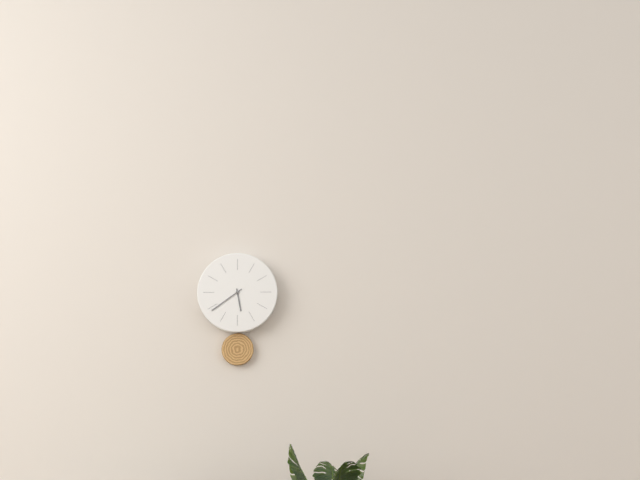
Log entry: 5:39
